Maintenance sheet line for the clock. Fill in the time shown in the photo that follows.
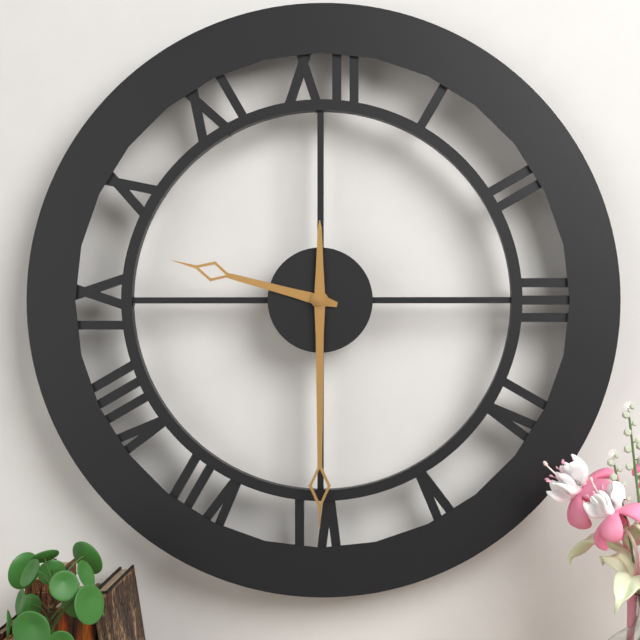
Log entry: 9:30
